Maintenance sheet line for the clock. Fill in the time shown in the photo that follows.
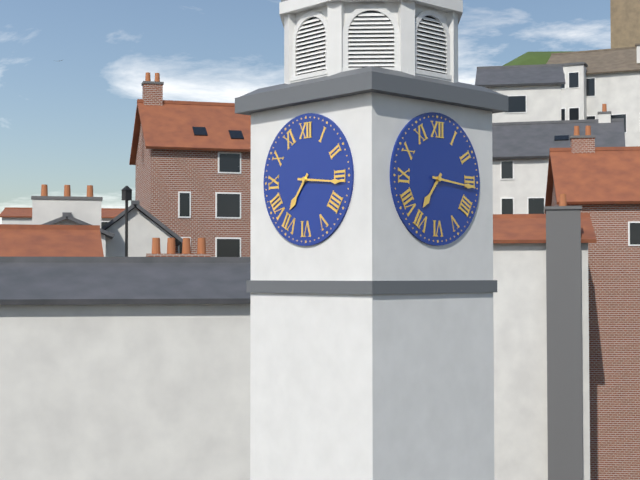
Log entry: 7:16
